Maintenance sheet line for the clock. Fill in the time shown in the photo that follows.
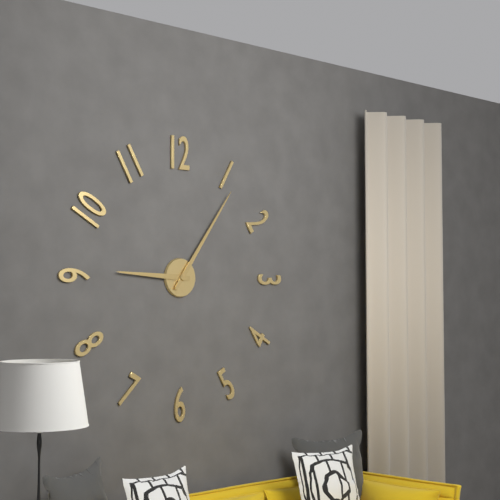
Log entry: 9:06
